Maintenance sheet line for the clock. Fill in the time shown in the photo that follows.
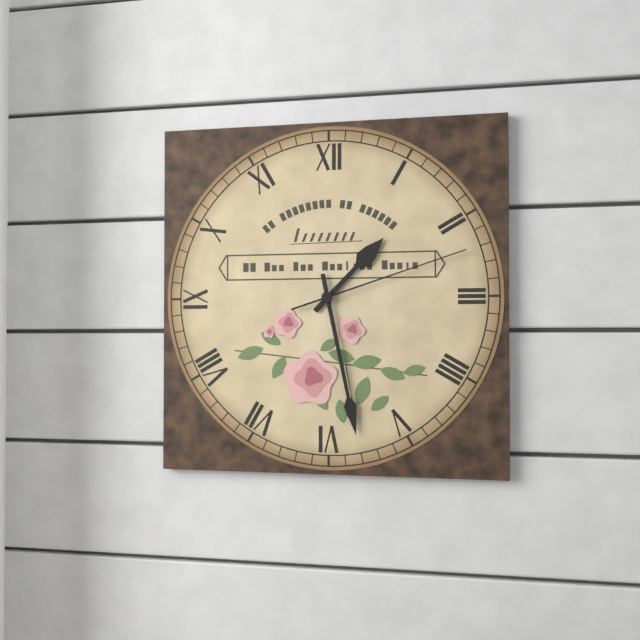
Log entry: 1:28:12
